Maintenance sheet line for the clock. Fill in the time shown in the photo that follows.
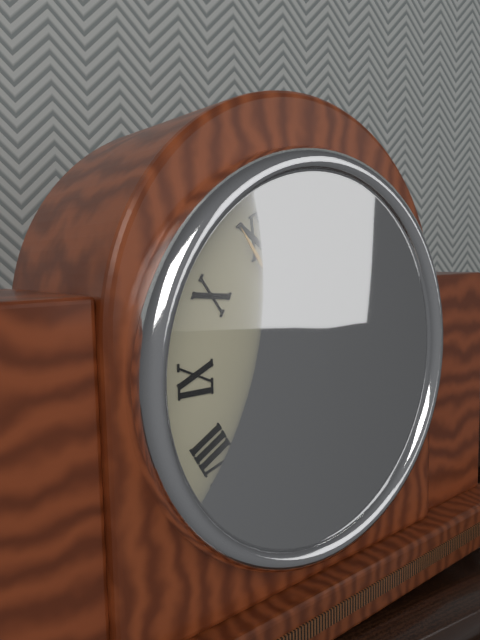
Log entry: 3:54
